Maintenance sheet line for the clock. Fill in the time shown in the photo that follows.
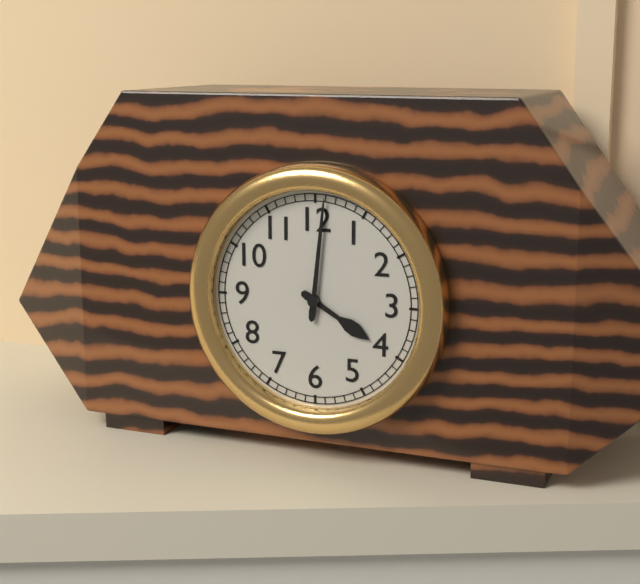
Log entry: 4:01
